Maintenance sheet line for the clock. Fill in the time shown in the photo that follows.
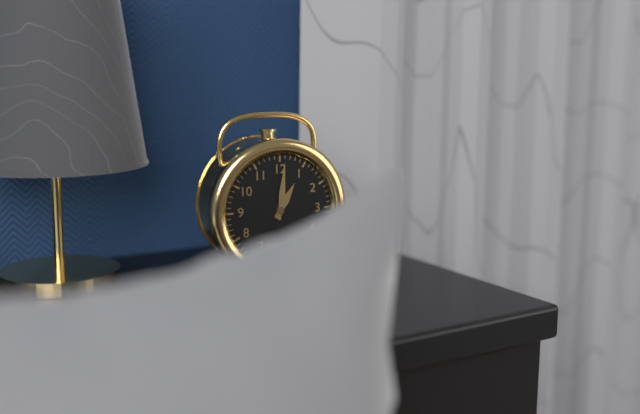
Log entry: 1:01
